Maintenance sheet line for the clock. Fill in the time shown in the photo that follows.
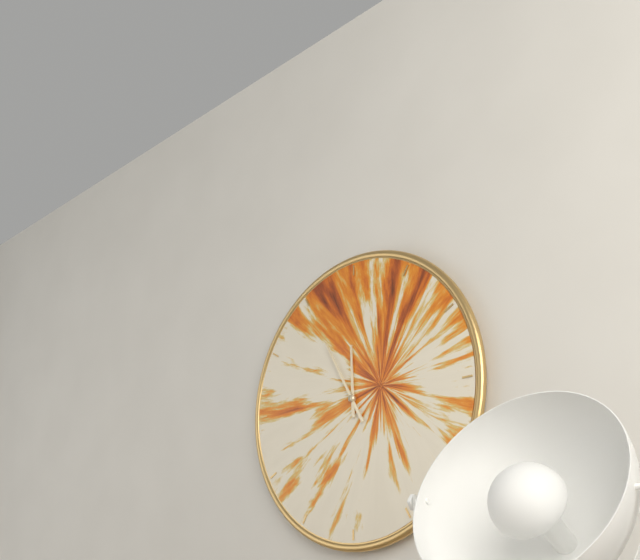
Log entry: 11:55
